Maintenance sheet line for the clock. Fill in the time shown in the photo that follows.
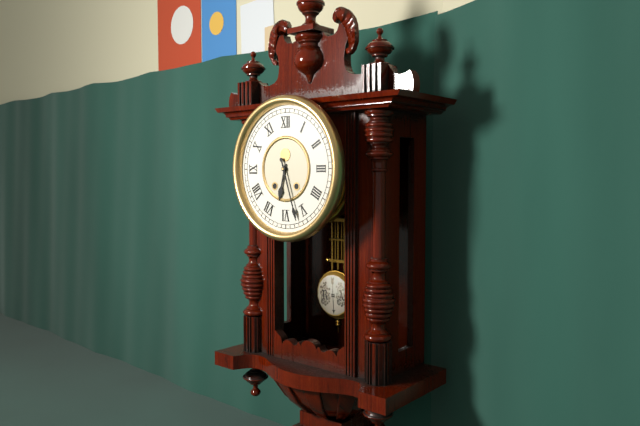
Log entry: 6:27
